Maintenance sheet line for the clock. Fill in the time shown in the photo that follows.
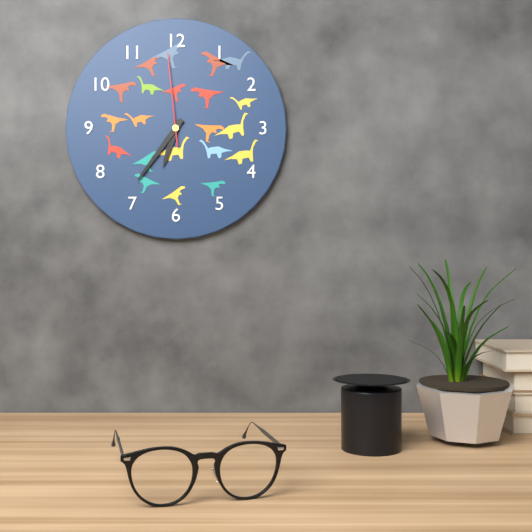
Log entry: 6:36:59
